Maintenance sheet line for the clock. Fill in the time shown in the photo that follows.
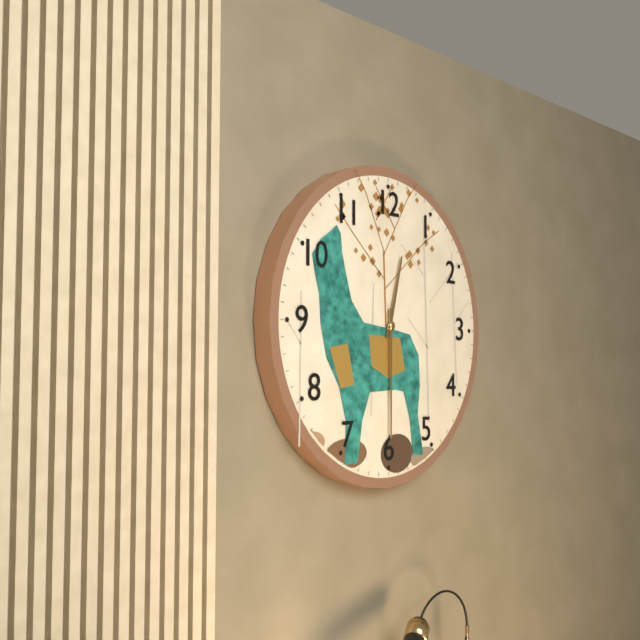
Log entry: 12:30
